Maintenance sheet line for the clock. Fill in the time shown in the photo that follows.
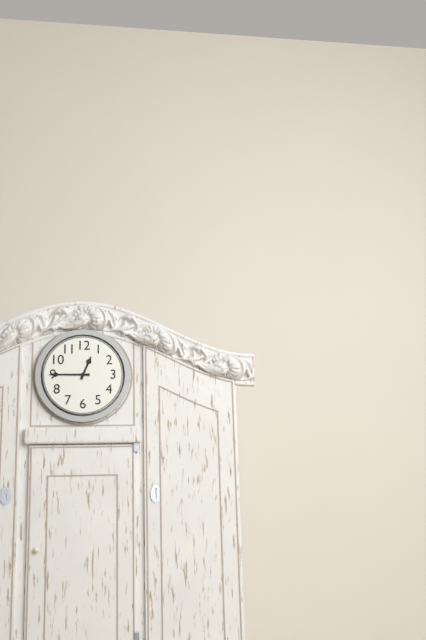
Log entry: 12:45
